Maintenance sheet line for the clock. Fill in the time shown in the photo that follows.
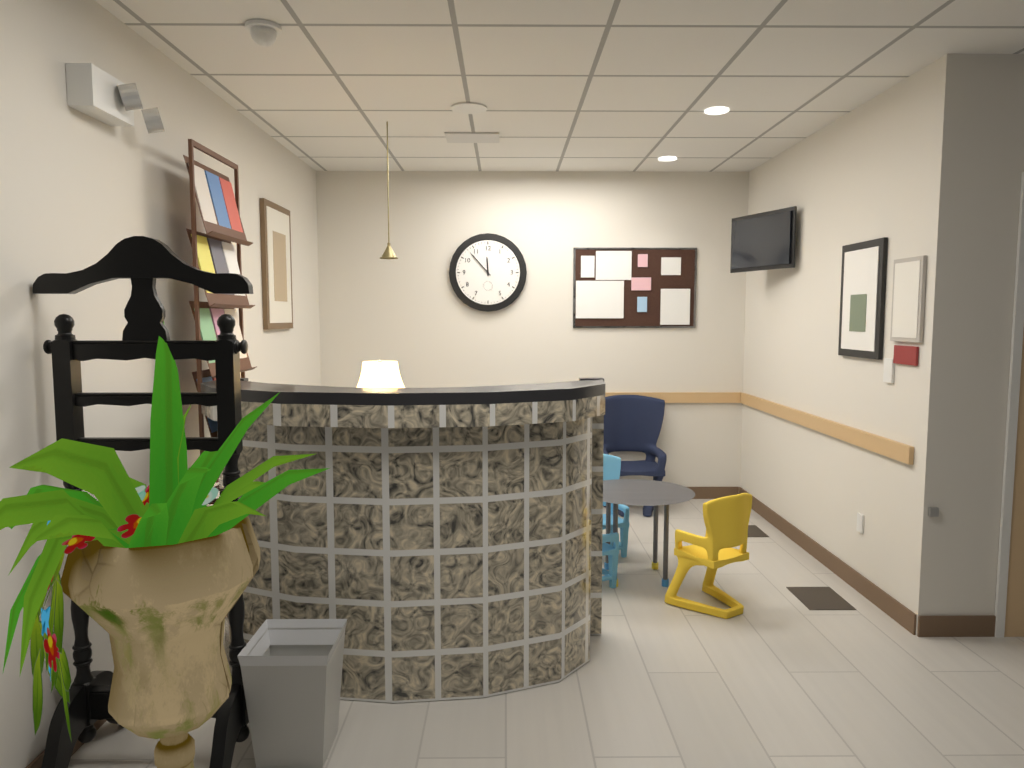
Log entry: 11:53
